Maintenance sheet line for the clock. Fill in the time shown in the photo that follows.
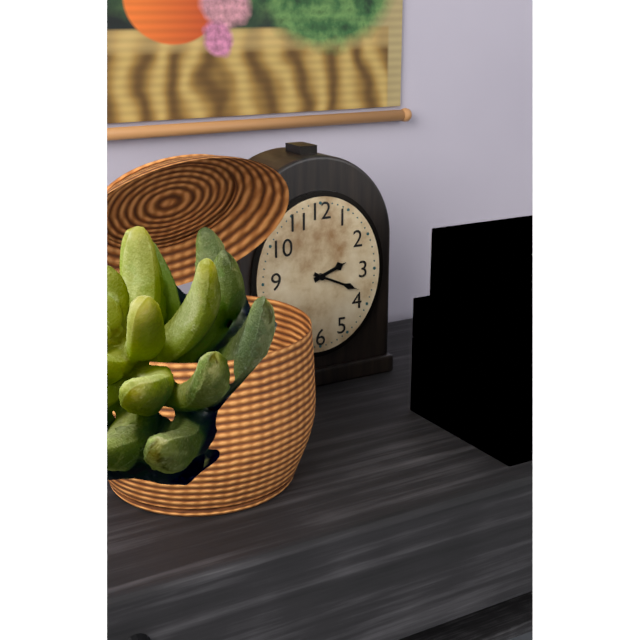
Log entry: 2:19
